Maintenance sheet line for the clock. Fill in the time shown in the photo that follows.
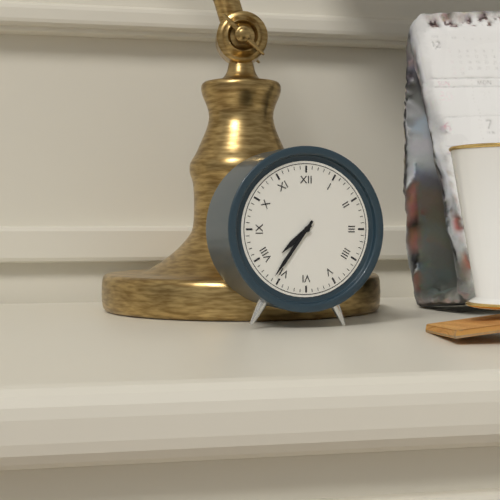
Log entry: 7:36
